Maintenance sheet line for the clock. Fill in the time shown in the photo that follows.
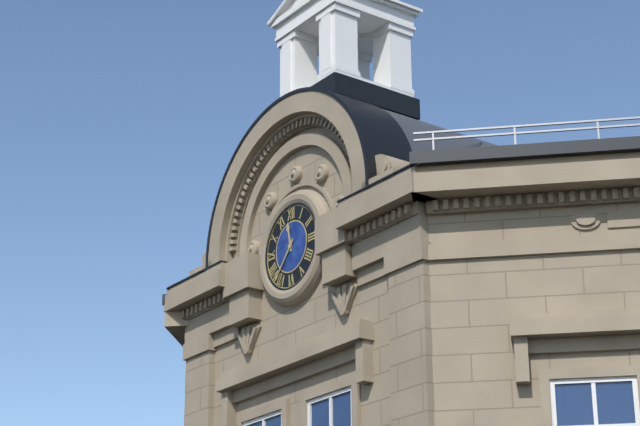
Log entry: 11:37
